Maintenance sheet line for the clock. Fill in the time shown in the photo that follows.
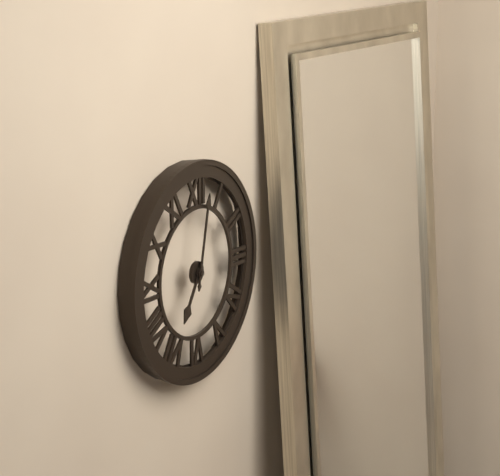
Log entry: 7:02
